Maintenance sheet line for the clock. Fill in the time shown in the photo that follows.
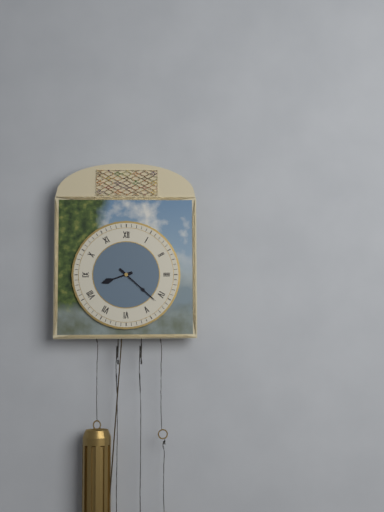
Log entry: 8:22
